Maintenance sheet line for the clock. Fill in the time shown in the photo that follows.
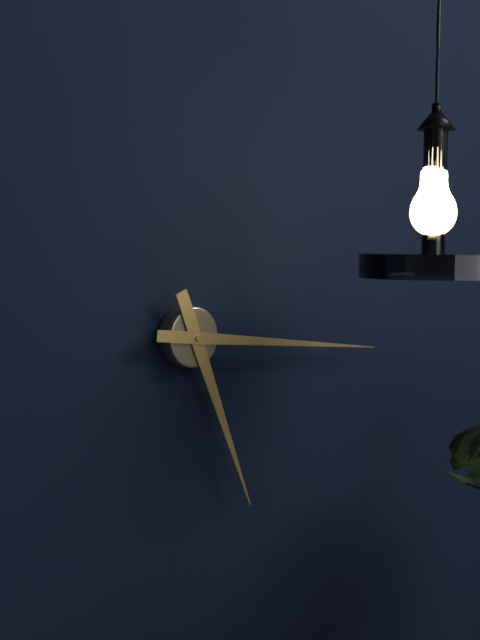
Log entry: 5:16
